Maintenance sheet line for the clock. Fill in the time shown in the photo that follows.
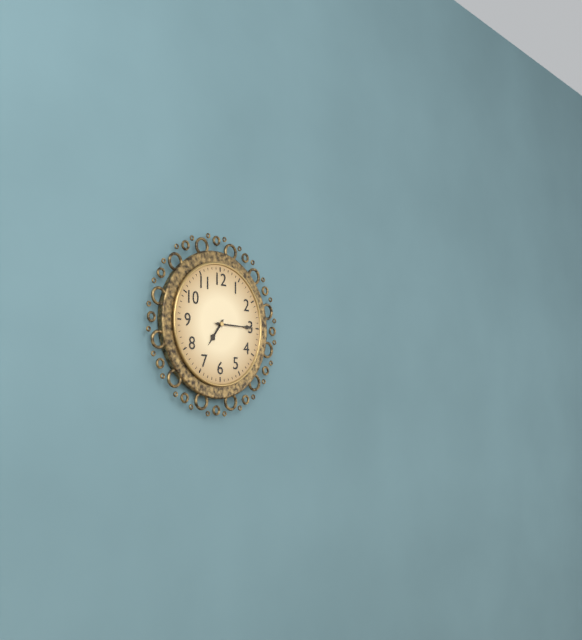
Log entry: 7:15
